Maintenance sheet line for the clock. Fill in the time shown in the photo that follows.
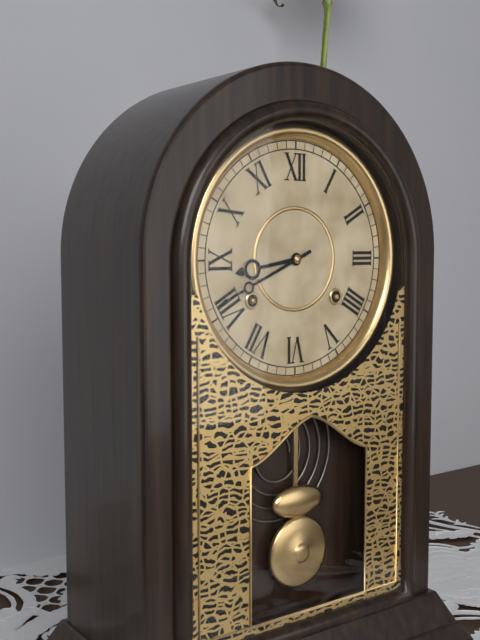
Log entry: 8:41
